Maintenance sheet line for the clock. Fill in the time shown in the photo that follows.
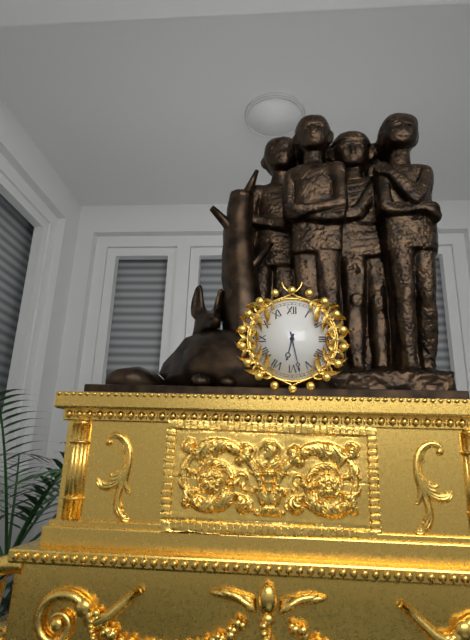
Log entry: 6:28
